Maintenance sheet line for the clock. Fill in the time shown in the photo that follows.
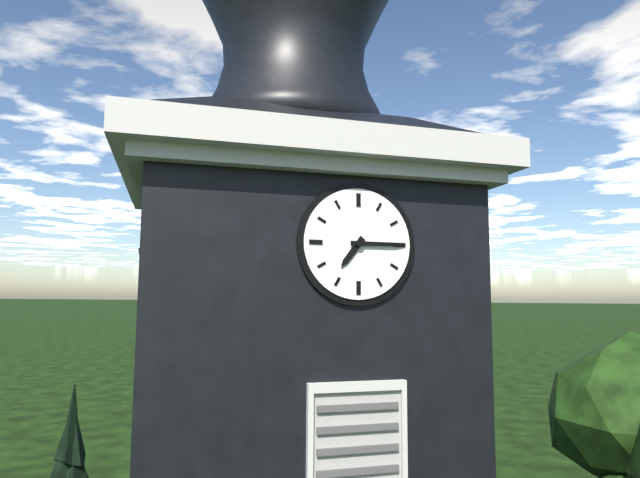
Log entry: 7:15
